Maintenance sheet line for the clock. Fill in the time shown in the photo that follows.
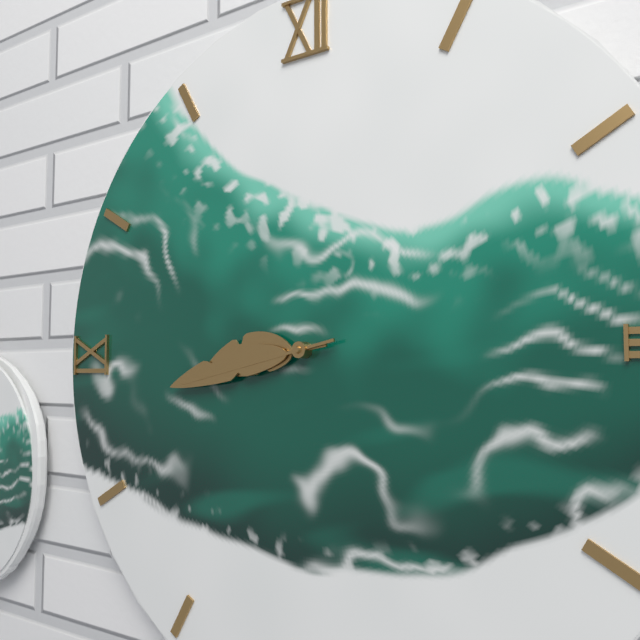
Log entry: 8:43
